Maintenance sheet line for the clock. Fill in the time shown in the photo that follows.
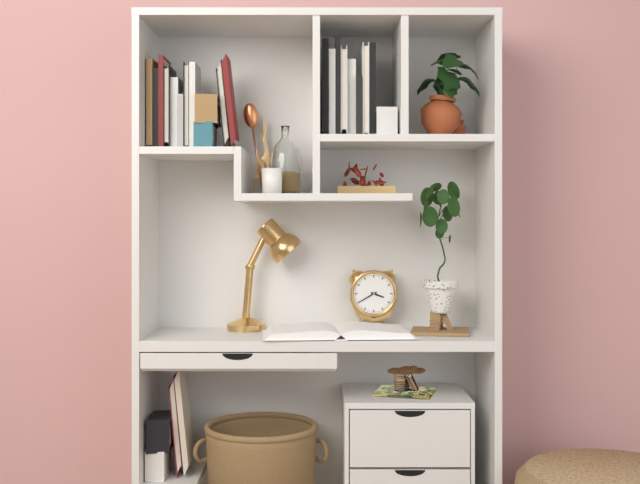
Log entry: 3:40
